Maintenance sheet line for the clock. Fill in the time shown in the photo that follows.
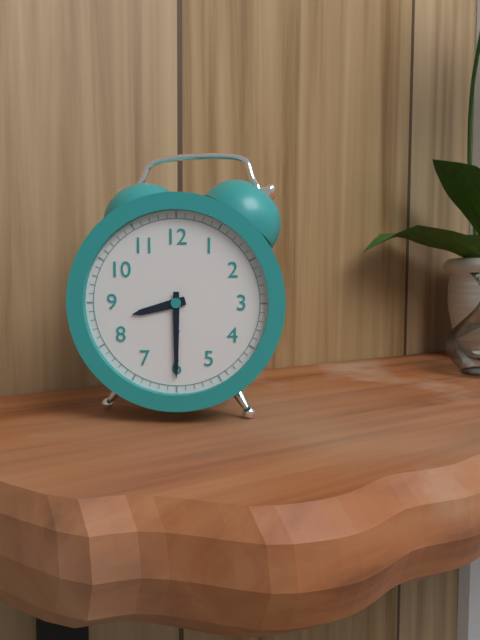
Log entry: 8:30
